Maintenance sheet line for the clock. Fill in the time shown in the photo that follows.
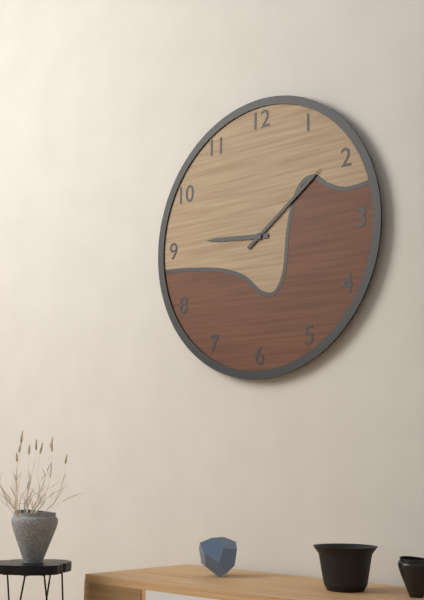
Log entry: 9:09
